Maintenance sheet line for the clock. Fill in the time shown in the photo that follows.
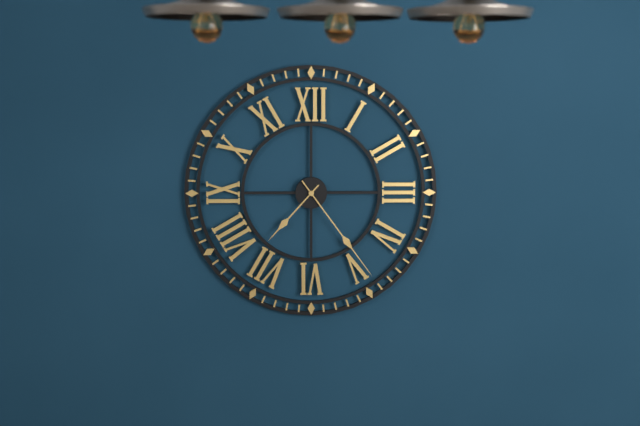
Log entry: 7:24
